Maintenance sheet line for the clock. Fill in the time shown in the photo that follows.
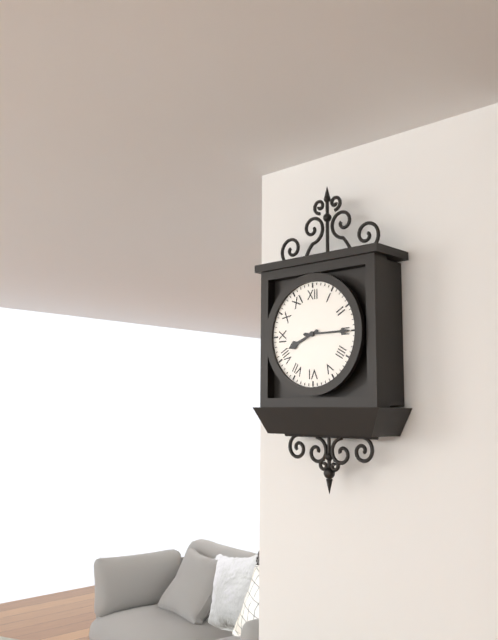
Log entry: 8:15
